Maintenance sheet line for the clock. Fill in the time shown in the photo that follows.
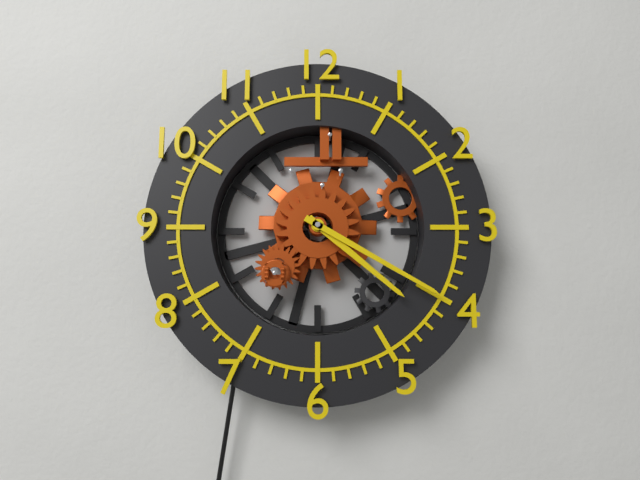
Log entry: 4:20
